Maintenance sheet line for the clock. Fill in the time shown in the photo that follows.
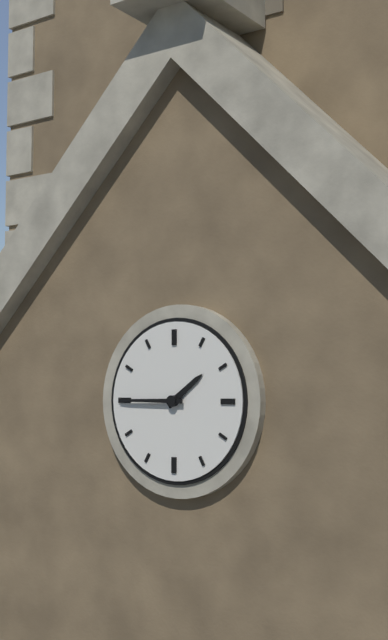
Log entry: 1:45
